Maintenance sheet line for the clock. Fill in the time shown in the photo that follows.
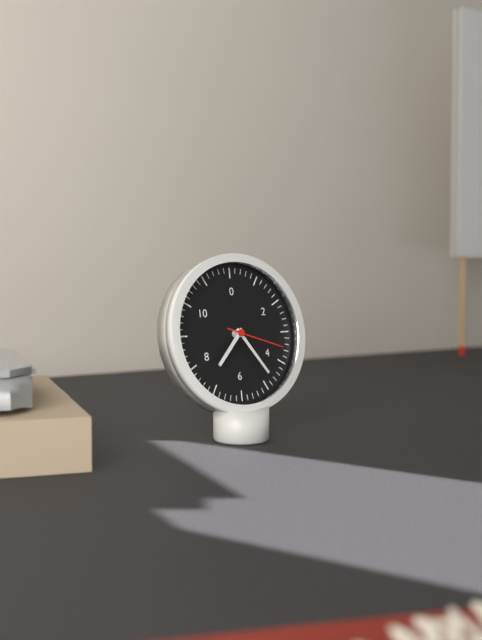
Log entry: 7:24:18
